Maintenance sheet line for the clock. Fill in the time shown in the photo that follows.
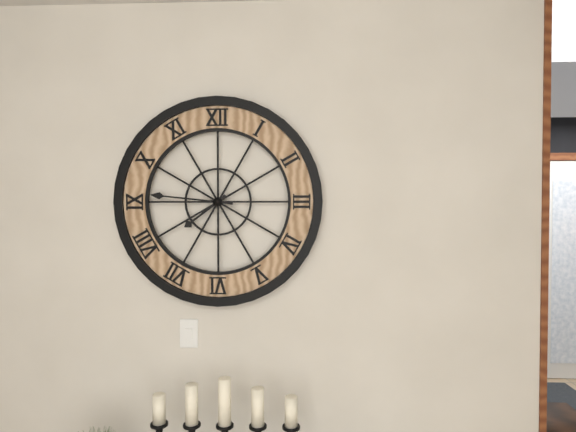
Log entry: 7:46
